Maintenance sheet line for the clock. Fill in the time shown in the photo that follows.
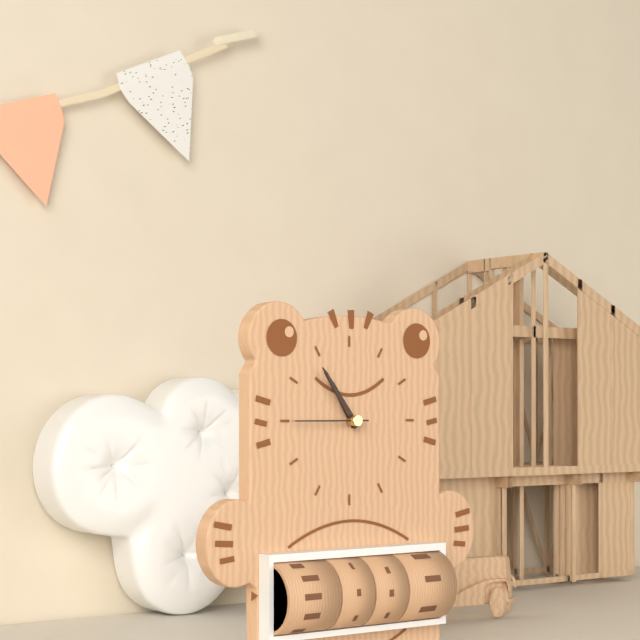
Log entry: 10:54:45
